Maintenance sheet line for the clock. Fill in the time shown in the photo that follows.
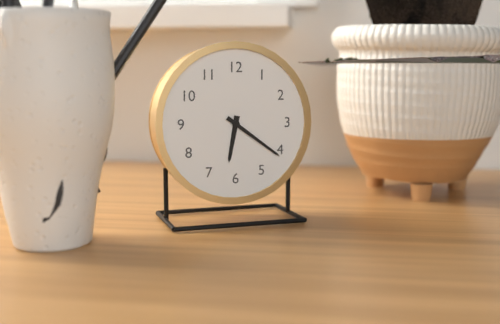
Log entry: 6:21
